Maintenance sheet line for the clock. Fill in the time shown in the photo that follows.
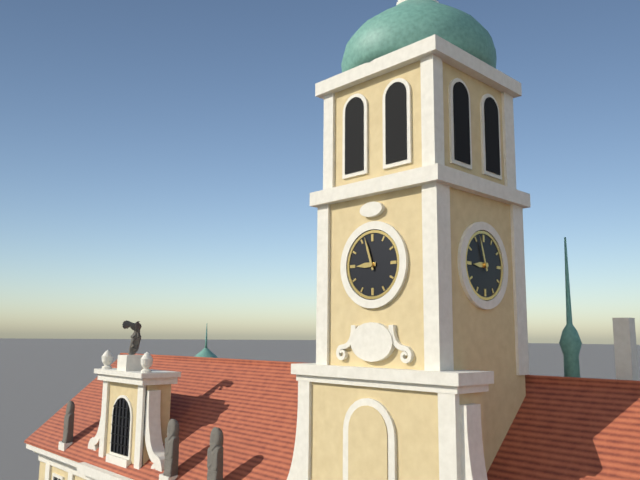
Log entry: 8:57
